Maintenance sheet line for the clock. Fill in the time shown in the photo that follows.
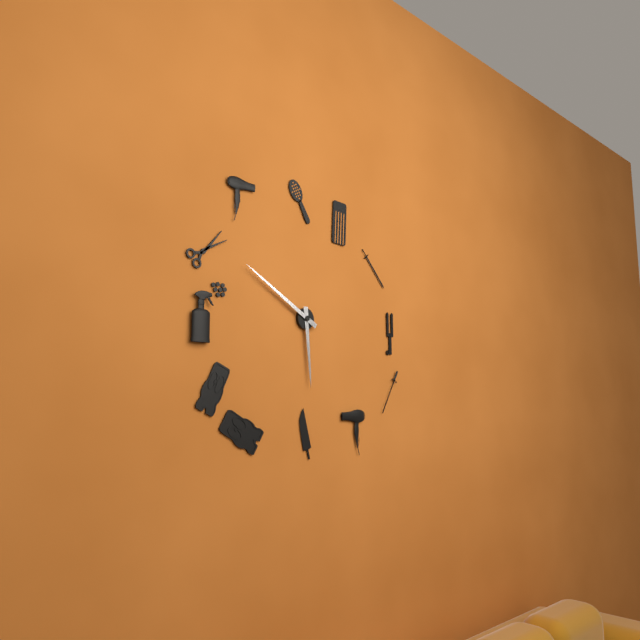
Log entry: 5:50
